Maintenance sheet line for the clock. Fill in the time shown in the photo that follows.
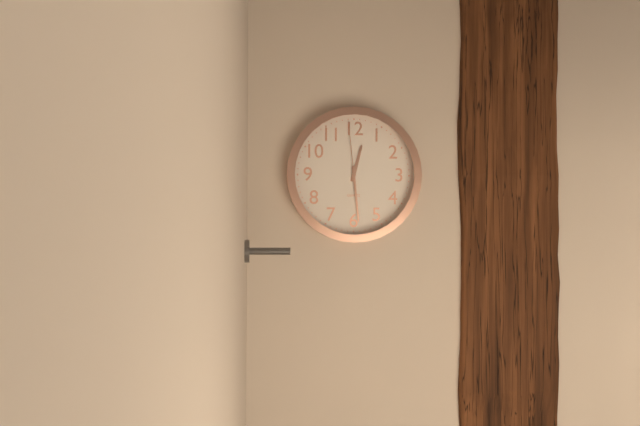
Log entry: 12:29:59
